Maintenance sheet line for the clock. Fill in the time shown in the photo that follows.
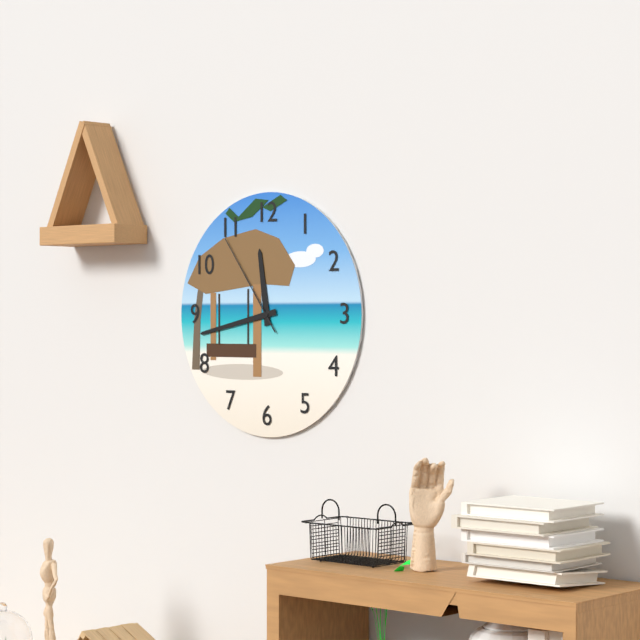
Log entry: 11:43:54
